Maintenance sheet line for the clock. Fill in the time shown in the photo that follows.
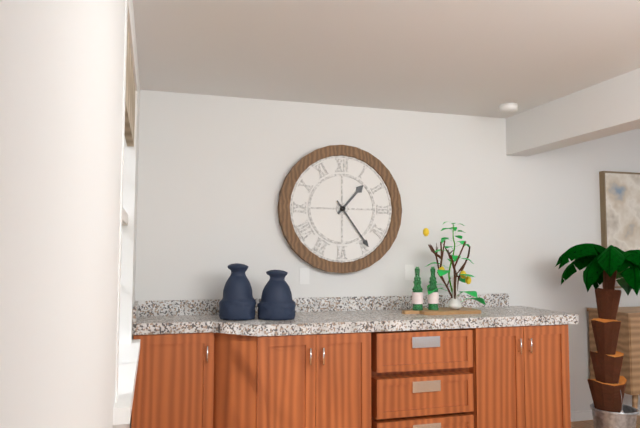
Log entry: 1:24
